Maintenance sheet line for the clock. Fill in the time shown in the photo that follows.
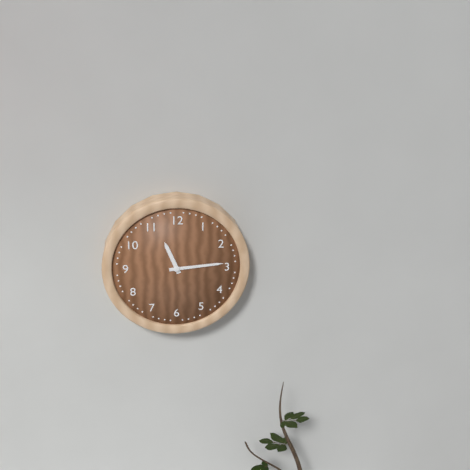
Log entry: 11:14
